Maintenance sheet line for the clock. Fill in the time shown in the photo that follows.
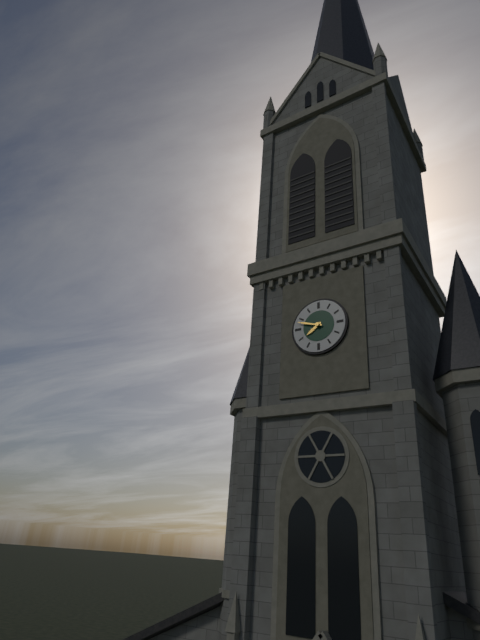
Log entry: 7:48
